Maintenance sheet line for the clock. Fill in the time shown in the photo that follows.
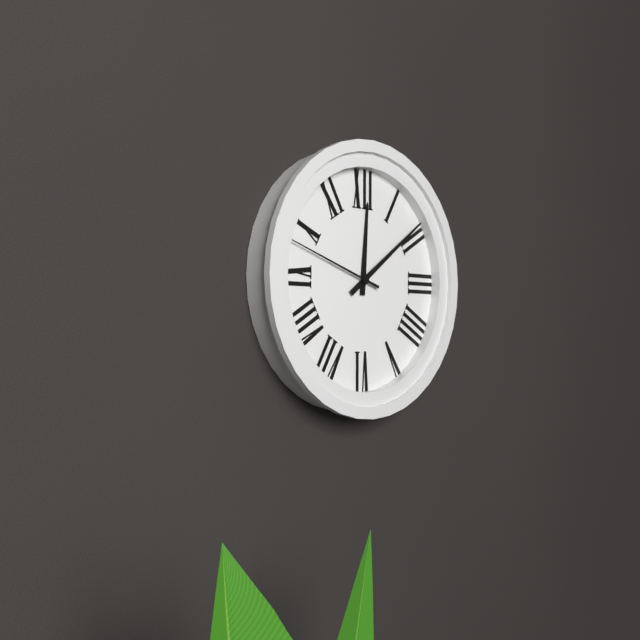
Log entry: 12:09:48
